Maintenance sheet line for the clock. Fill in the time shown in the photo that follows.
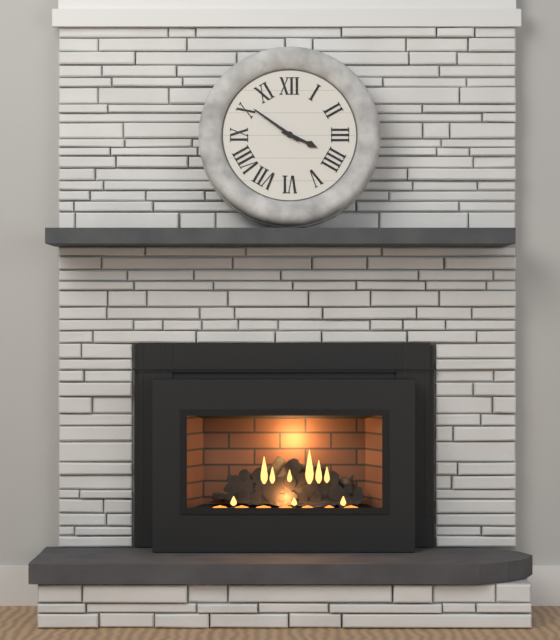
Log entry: 3:51
